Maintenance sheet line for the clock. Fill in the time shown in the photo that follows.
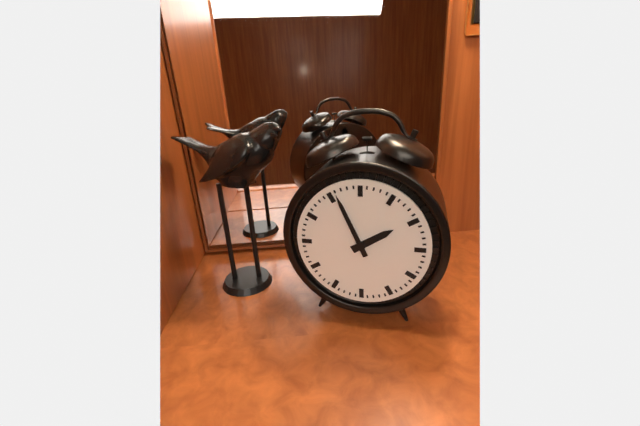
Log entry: 1:56
